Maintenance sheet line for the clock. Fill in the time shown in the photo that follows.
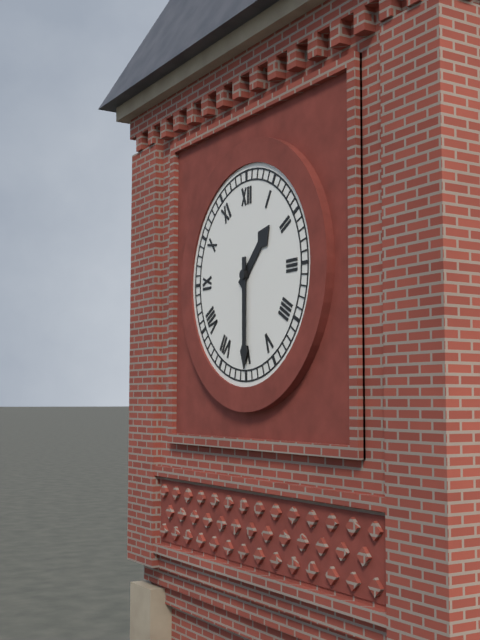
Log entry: 1:30
